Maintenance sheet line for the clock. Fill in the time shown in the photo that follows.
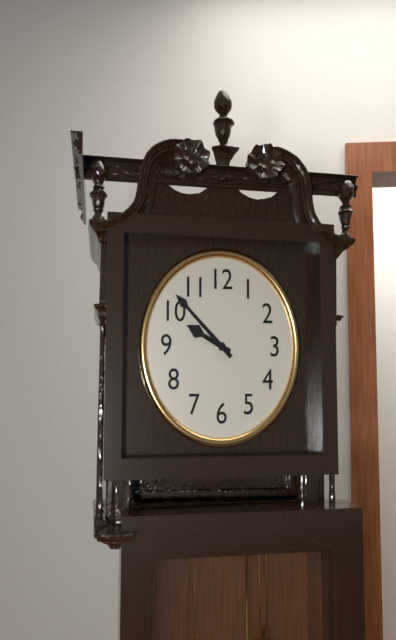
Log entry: 9:52
